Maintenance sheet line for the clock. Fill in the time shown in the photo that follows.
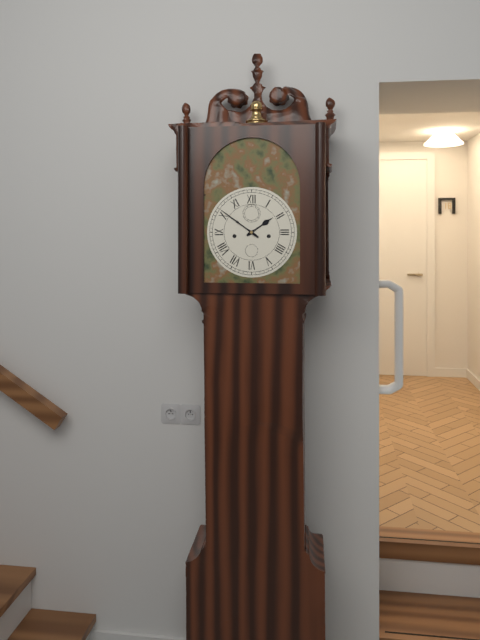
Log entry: 1:51
